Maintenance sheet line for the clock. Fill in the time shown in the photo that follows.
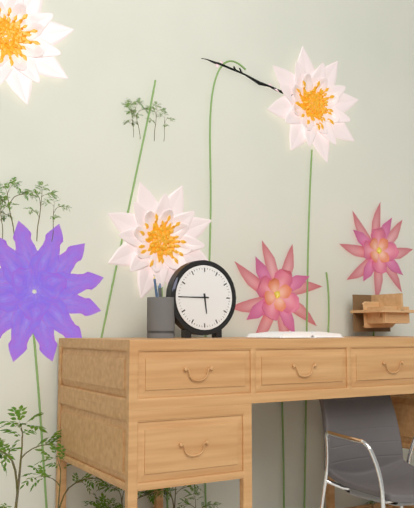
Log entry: 5:45
